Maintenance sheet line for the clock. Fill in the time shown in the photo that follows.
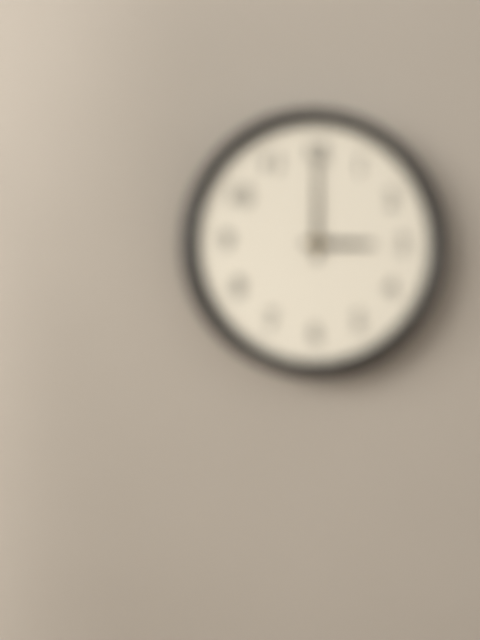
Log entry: 3:00
